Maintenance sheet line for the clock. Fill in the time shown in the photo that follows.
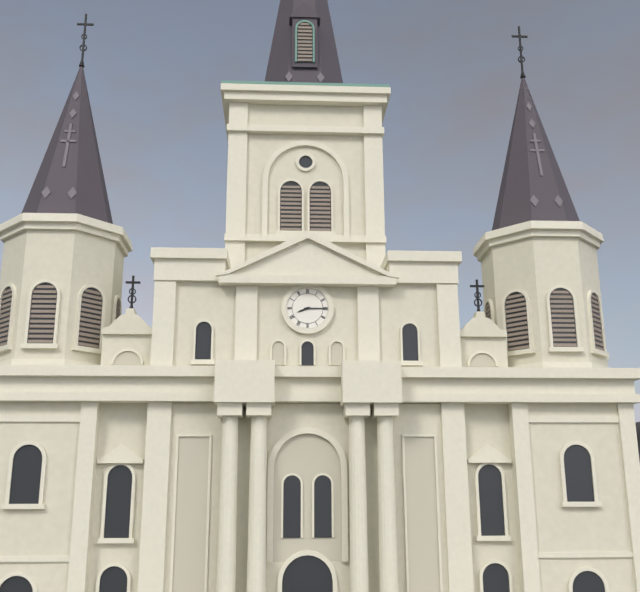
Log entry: 8:15
